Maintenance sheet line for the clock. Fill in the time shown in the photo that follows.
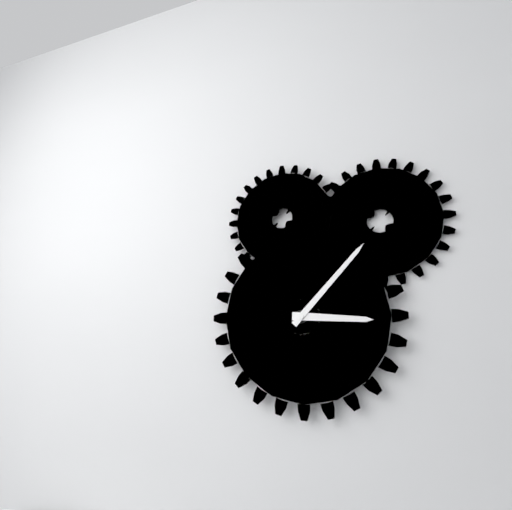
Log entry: 3:07
